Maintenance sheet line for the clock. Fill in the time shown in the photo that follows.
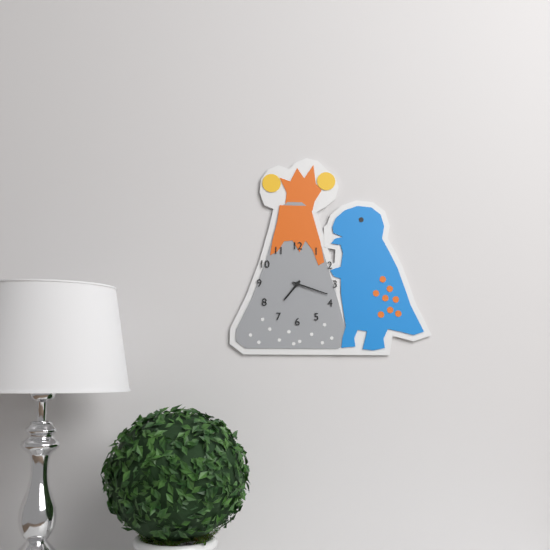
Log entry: 7:18
